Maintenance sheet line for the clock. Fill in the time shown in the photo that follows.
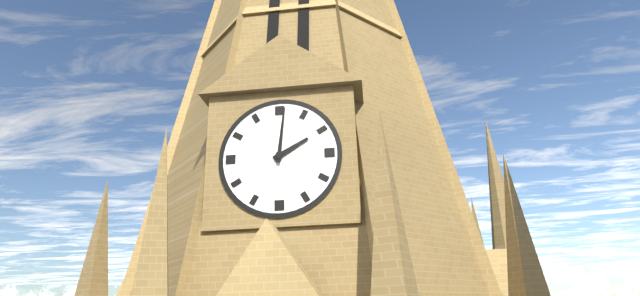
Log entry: 2:01
